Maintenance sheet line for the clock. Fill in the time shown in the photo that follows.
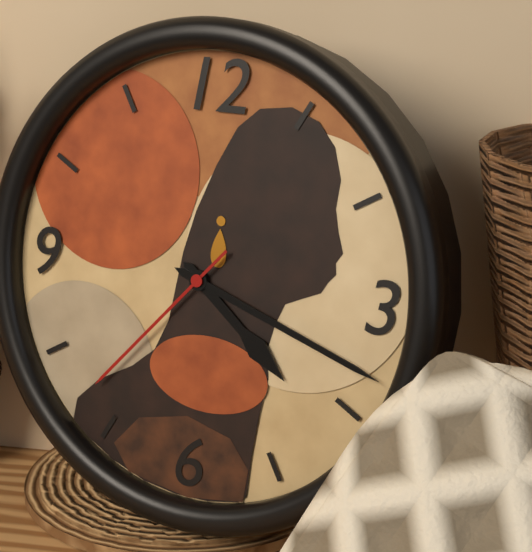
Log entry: 4:18:37
